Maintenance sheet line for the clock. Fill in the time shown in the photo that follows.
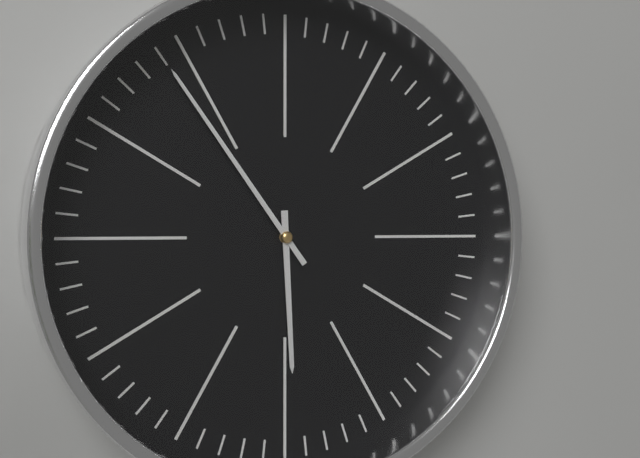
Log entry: 5:54
